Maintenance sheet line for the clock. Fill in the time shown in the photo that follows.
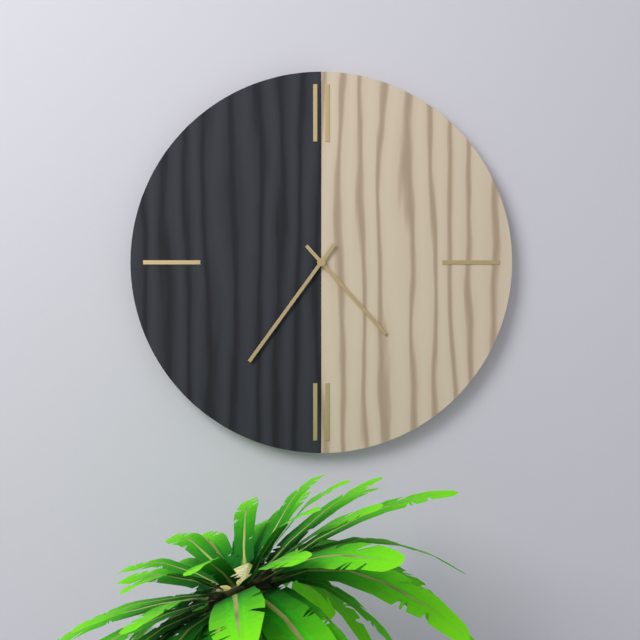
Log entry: 4:36
